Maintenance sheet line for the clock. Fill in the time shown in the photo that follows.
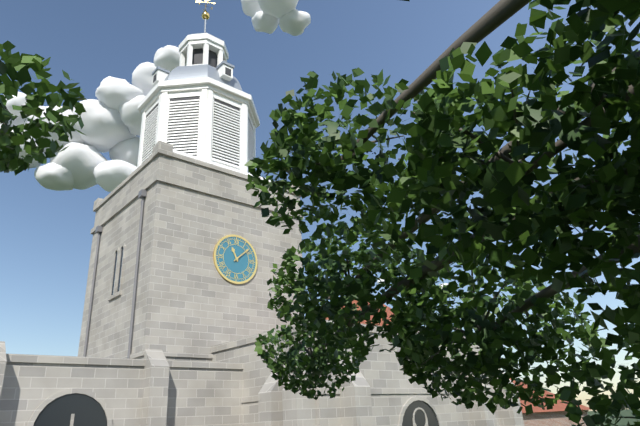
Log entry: 11:08
